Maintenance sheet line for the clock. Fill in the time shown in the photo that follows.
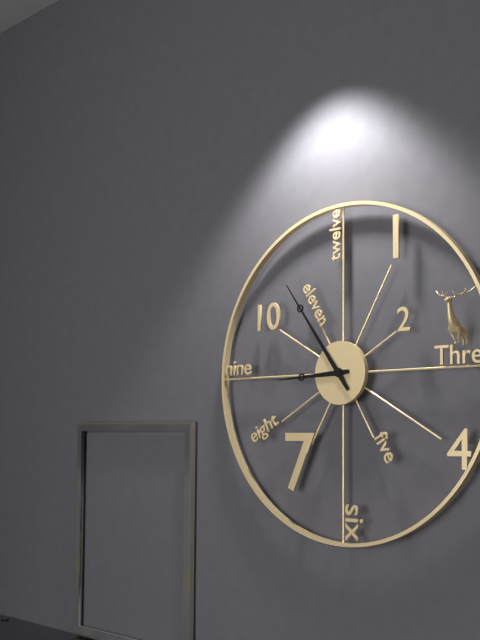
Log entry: 8:54
